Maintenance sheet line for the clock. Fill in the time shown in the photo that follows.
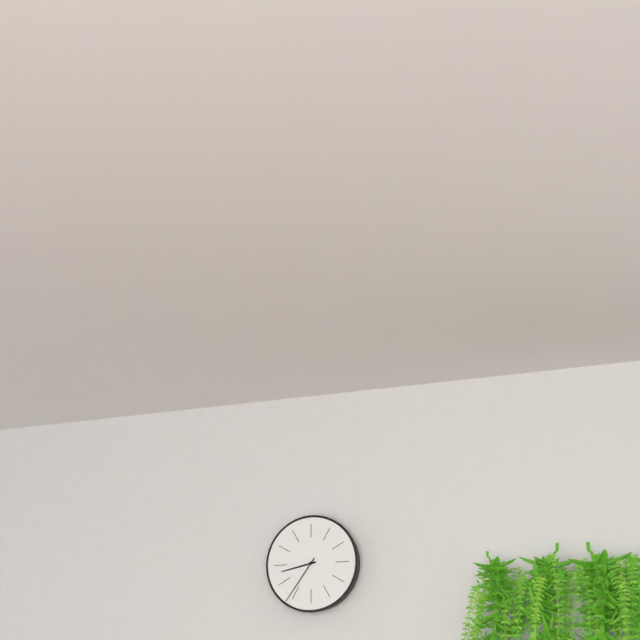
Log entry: 8:36
